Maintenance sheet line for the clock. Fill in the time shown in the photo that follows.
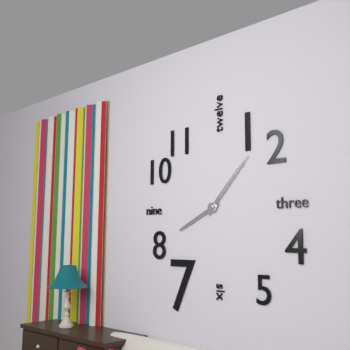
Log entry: 8:07
